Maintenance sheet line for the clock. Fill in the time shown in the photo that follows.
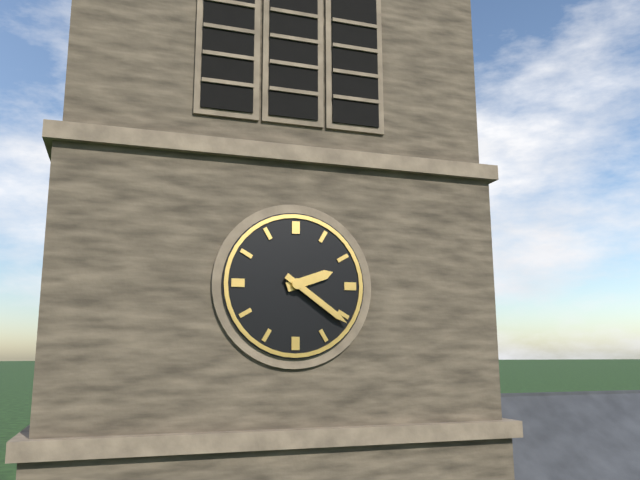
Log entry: 2:21
